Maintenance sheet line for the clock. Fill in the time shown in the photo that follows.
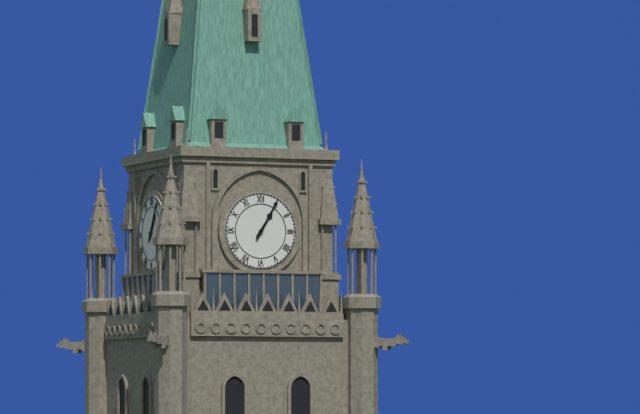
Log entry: 1:05
